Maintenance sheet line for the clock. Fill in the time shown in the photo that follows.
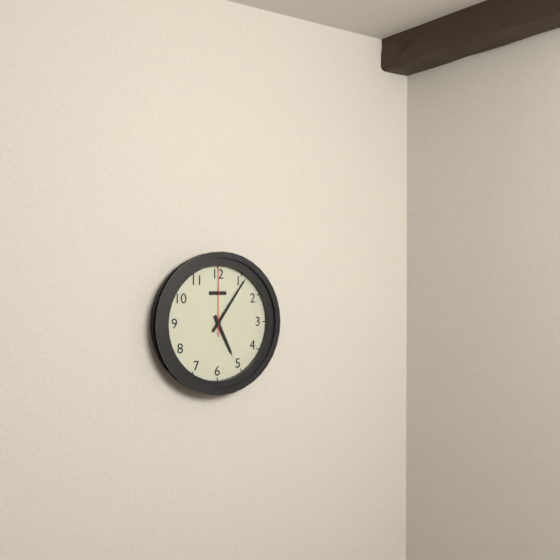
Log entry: 5:06:00
